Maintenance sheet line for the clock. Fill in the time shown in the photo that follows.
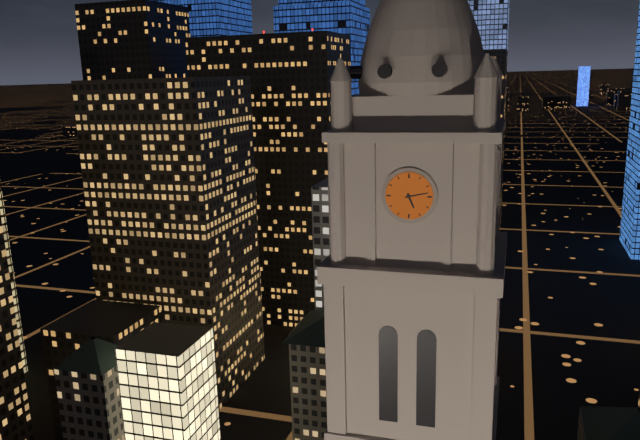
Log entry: 5:13
